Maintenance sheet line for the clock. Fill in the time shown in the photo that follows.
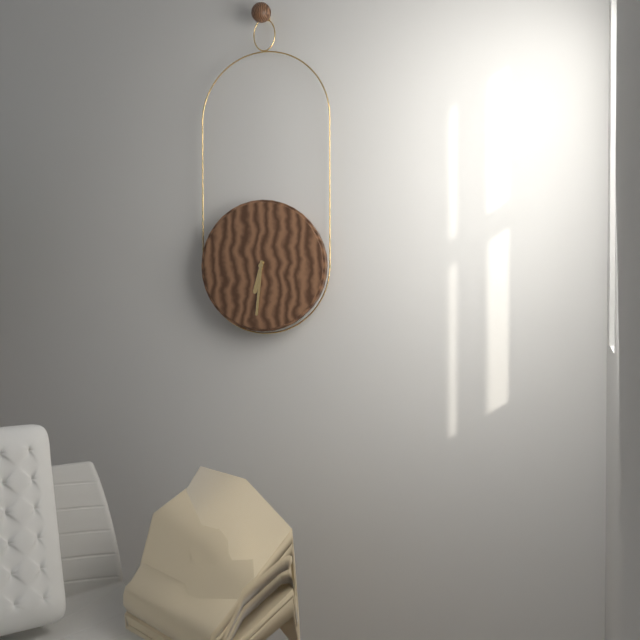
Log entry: 6:31
